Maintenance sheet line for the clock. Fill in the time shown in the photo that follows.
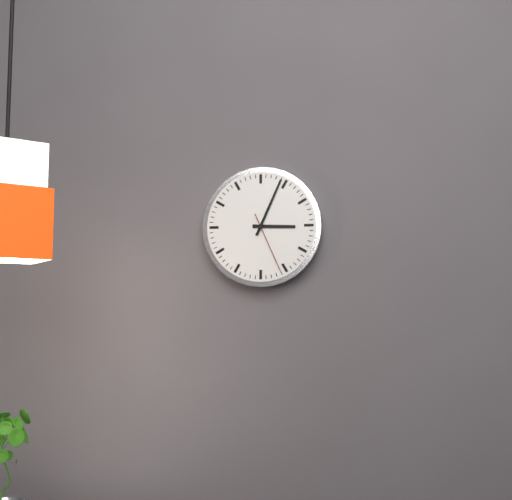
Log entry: 3:04:26
